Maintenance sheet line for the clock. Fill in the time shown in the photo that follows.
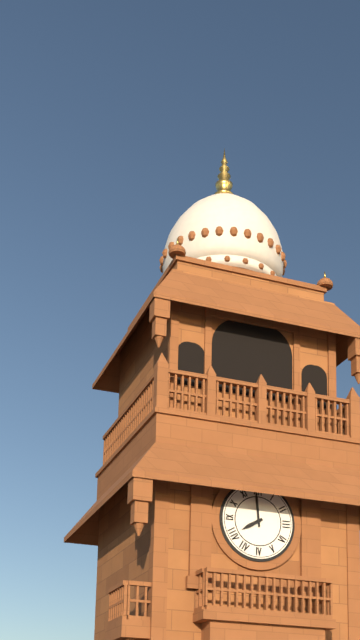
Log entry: 7:59
